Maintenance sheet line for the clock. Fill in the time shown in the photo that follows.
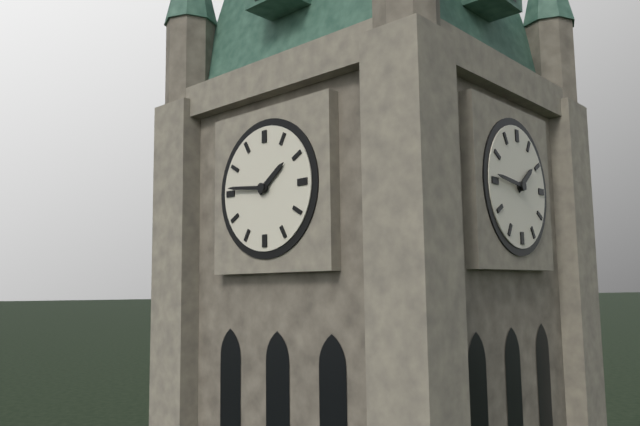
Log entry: 1:46
